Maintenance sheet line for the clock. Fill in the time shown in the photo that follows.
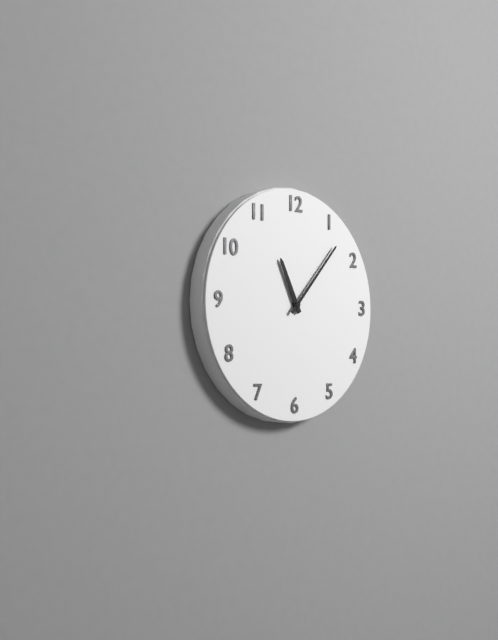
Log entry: 11:07
